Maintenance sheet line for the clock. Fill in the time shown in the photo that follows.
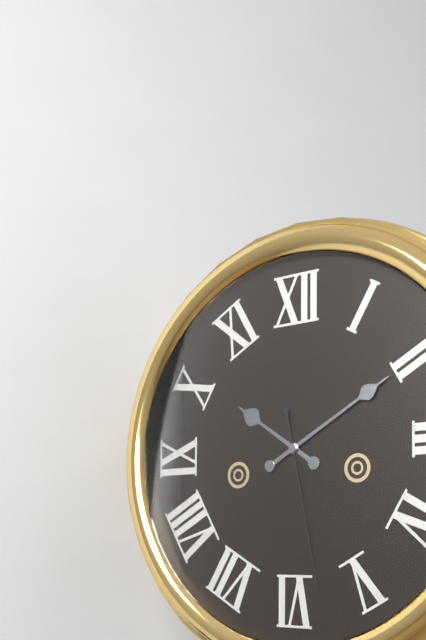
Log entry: 10:10:28
